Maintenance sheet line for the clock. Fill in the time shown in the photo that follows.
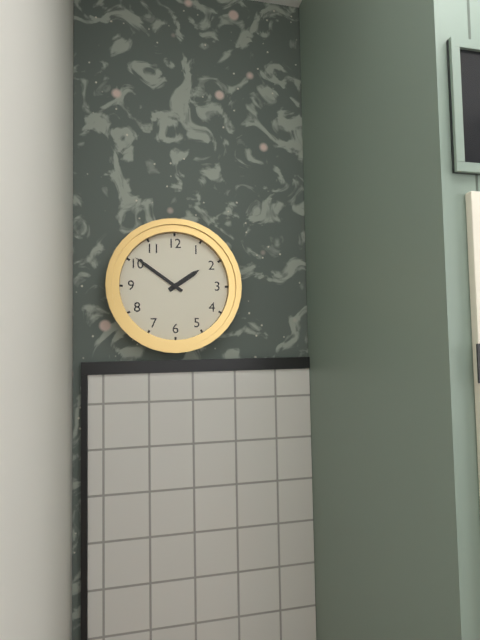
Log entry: 1:51
